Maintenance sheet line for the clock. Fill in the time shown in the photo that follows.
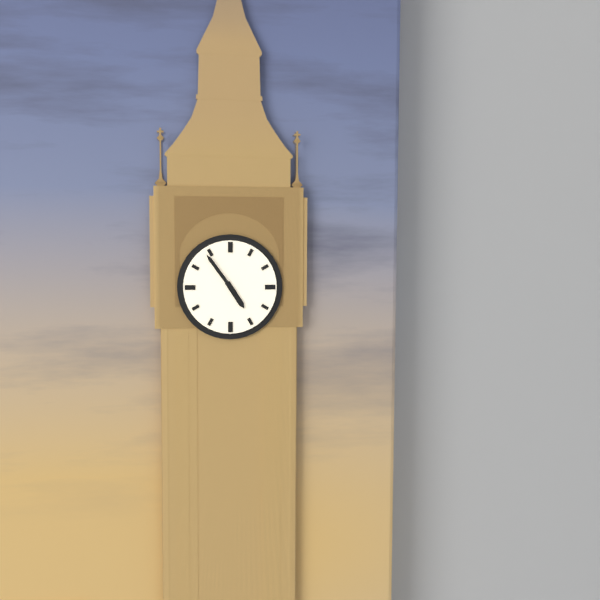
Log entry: 4:54
